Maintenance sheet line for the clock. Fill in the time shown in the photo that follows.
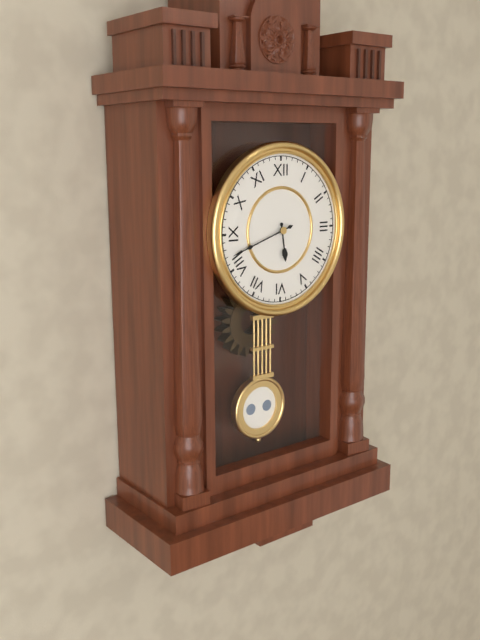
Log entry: 5:42
